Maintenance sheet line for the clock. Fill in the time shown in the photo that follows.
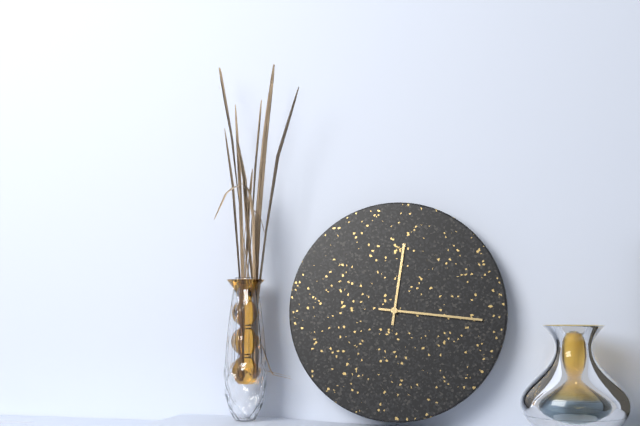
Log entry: 12:16
